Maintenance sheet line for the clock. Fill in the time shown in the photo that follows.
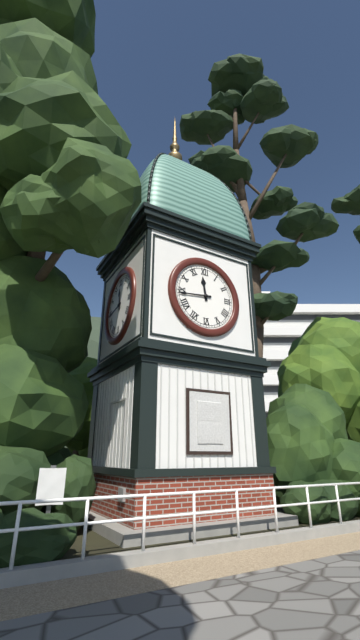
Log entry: 11:44
